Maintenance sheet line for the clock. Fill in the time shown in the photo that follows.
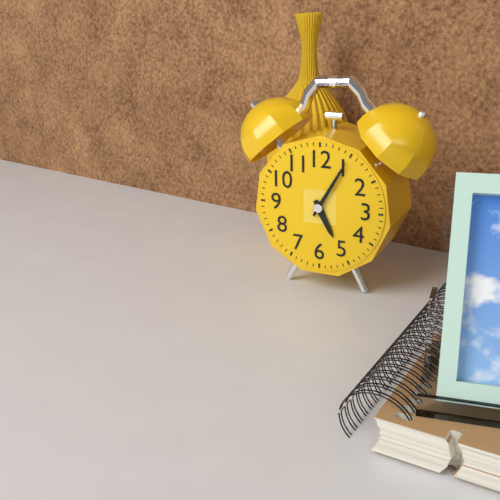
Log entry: 5:05
